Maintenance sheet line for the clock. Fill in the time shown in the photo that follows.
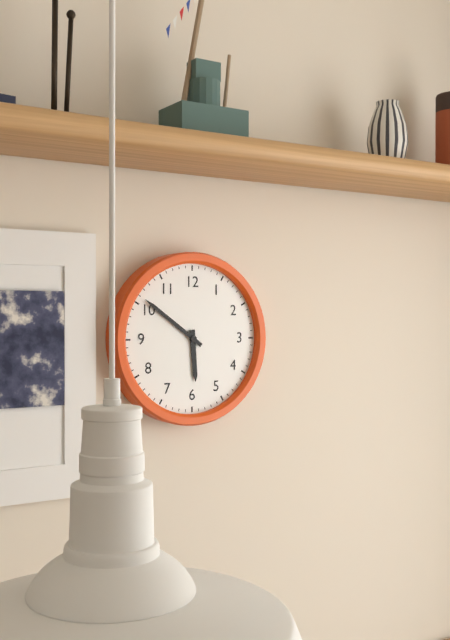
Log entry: 5:51
